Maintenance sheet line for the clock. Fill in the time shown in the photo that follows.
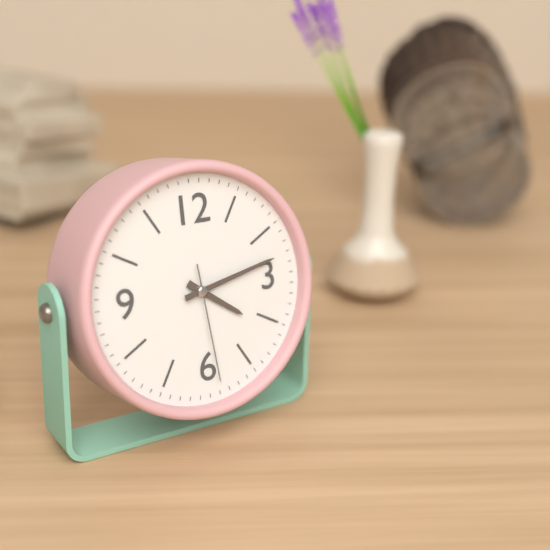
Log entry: 4:13:29
